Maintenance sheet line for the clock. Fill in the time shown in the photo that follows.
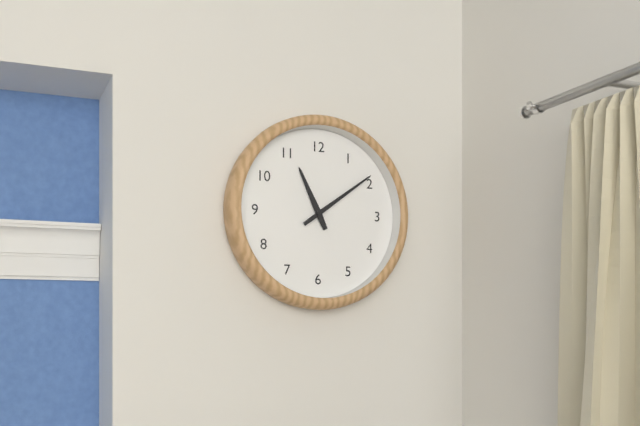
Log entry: 11:09
